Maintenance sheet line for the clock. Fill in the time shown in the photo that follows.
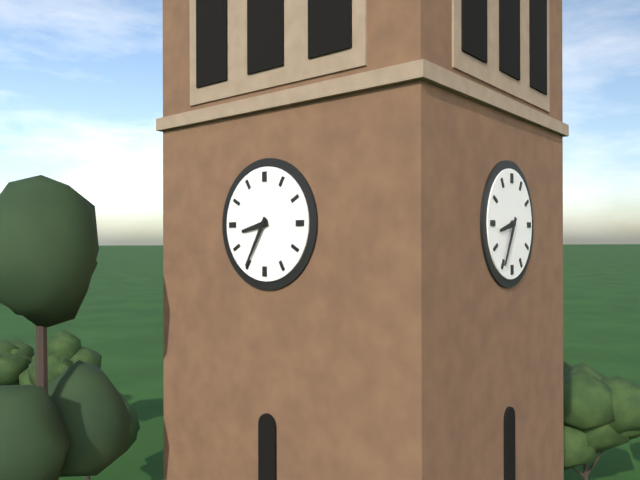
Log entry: 8:35
